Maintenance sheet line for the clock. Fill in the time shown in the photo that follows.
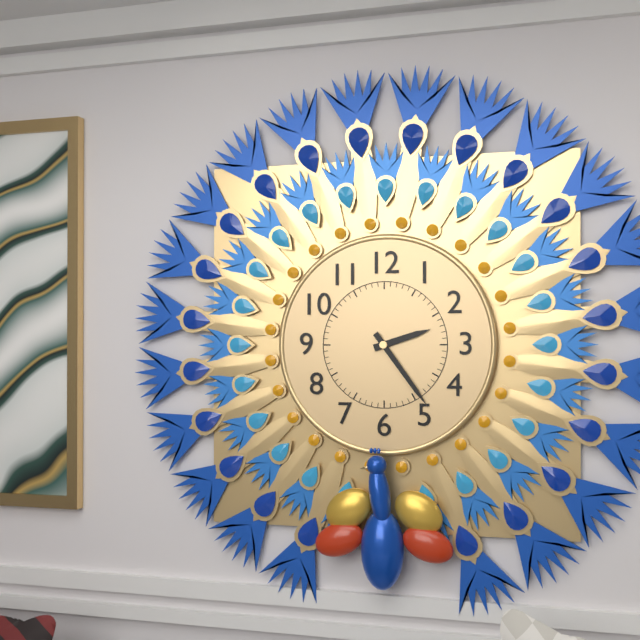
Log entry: 2:24
